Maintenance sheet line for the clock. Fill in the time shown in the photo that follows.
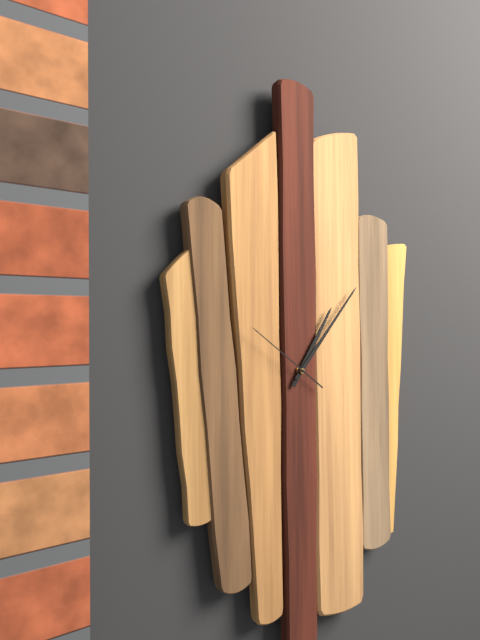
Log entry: 1:07:51
